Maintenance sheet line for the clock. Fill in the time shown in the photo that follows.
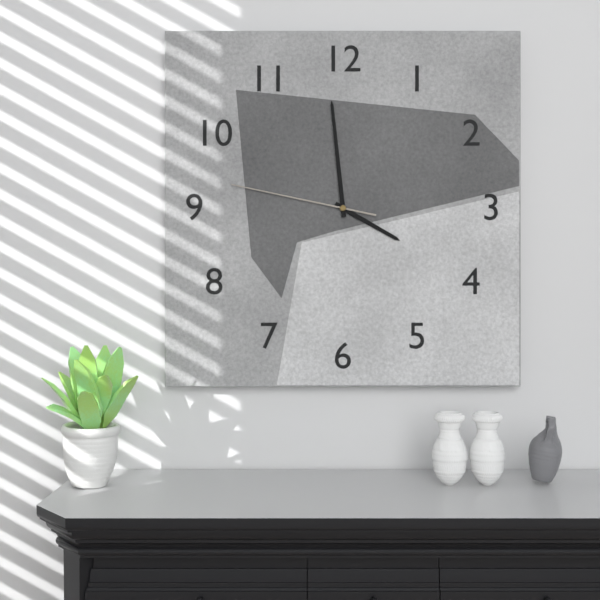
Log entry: 3:59:47
